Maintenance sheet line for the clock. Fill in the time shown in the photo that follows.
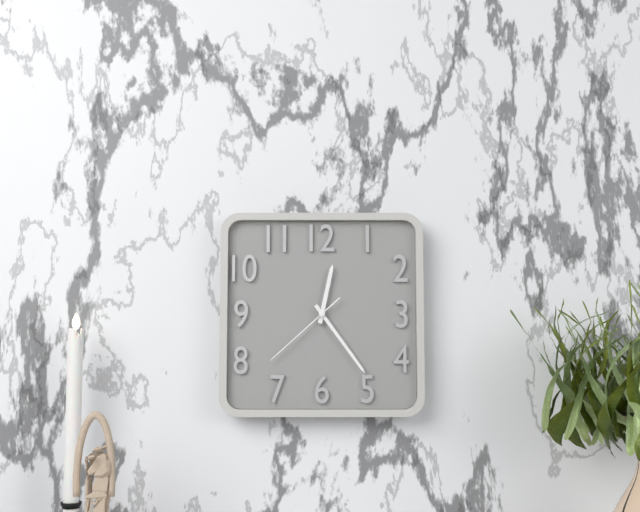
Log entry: 12:24:38
